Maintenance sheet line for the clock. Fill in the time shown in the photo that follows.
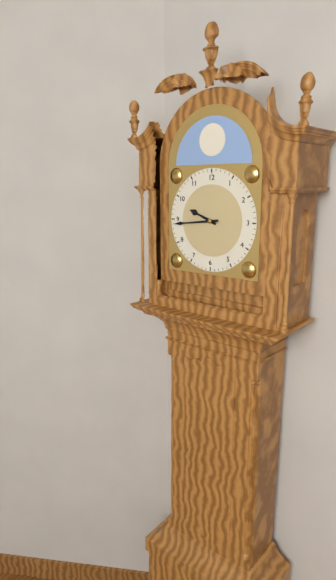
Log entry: 9:44
